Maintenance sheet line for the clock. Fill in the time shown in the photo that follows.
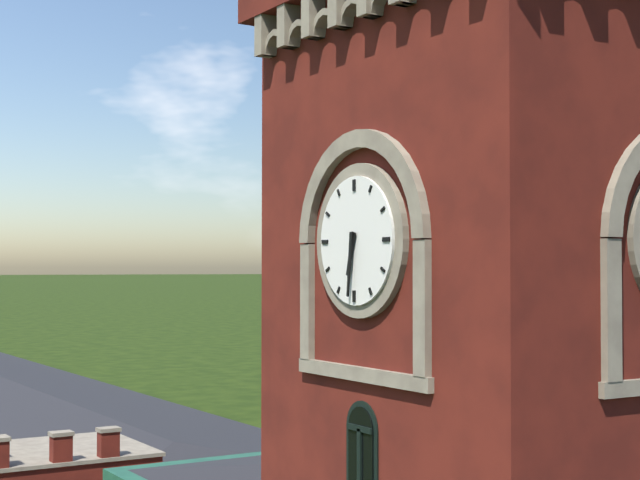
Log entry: 6:31
